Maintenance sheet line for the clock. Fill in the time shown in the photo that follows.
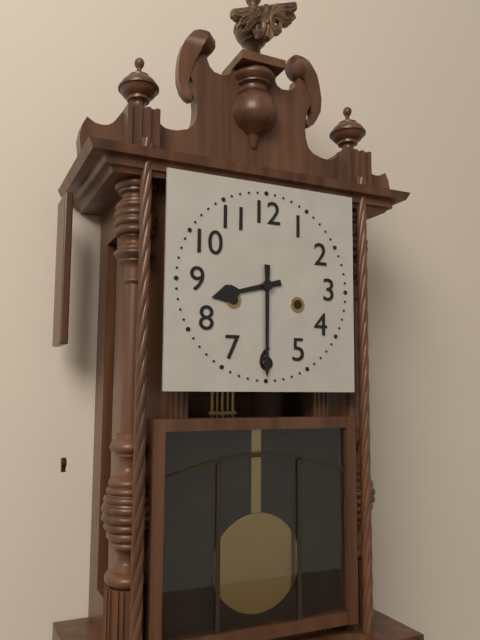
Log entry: 8:30
